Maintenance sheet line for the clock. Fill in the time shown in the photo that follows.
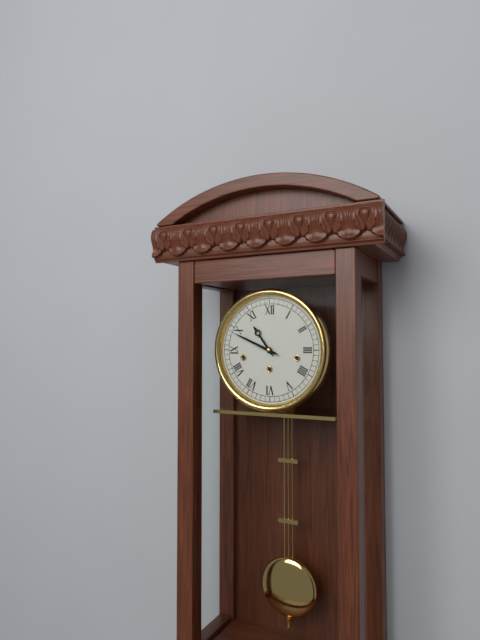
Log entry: 10:49
